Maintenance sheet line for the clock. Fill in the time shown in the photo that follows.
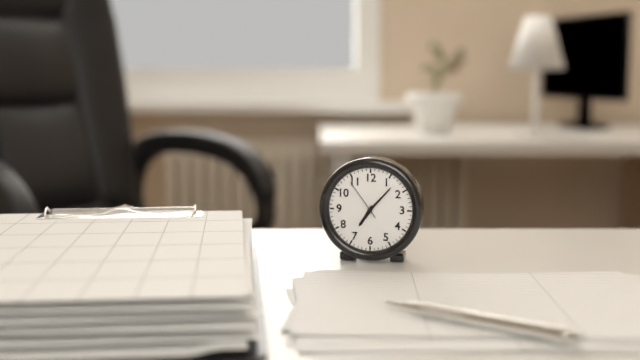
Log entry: 7:07
